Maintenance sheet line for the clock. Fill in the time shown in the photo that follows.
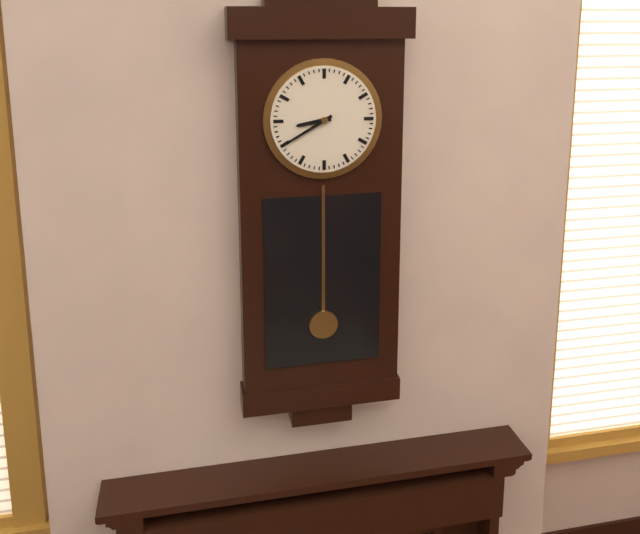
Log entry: 8:40
